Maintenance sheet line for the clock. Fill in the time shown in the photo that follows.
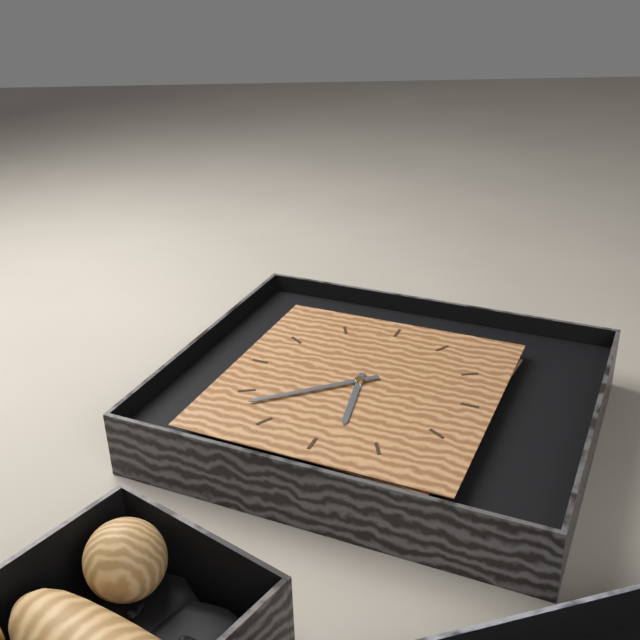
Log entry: 5:38
